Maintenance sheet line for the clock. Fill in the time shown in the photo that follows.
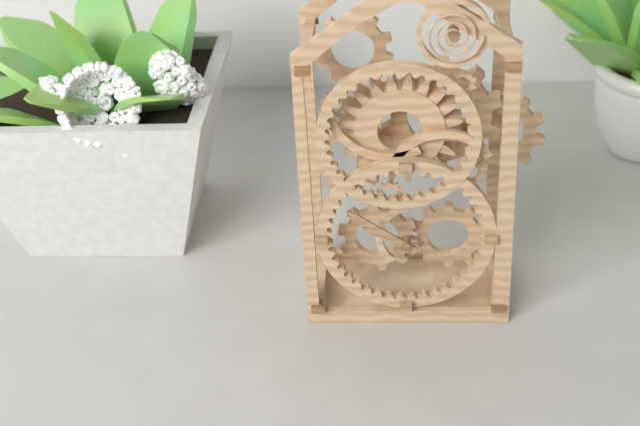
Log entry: 9:51
